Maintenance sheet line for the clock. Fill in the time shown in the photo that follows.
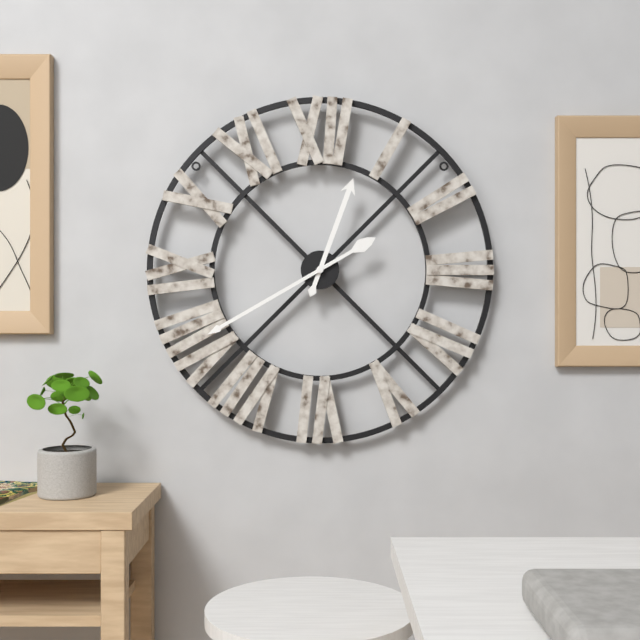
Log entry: 12:40
